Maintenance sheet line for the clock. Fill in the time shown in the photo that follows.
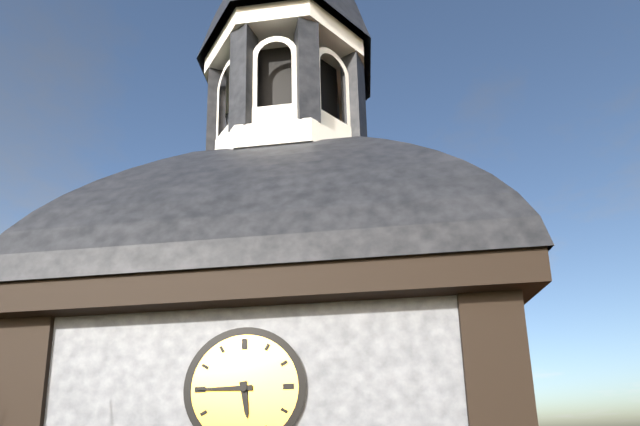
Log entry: 5:45
